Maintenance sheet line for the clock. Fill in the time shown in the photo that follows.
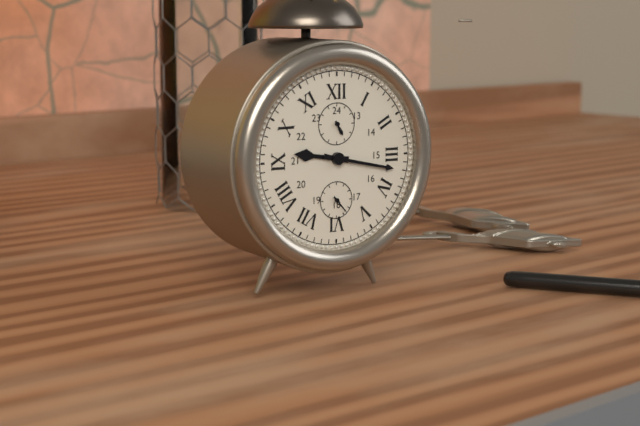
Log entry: 9:17:23
